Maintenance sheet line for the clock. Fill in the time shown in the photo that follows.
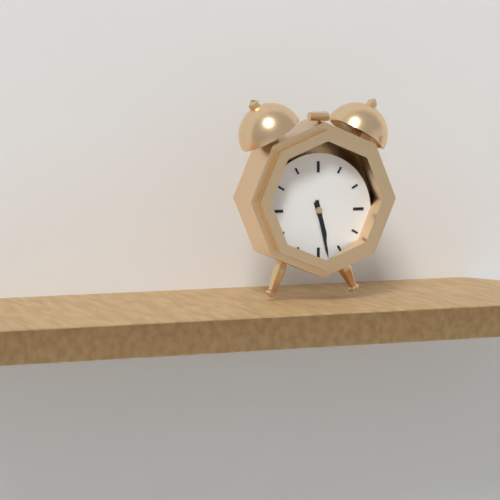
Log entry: 5:28
